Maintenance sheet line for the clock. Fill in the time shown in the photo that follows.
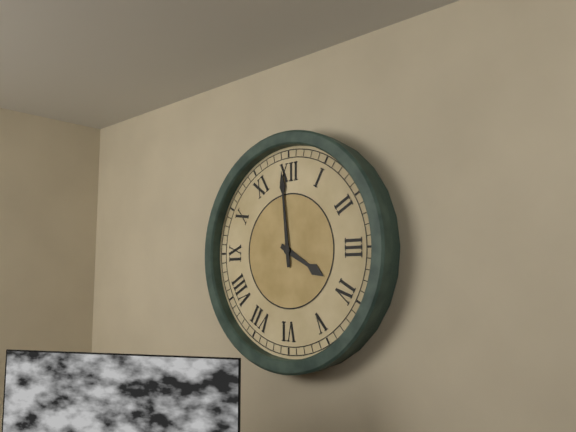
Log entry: 3:59
